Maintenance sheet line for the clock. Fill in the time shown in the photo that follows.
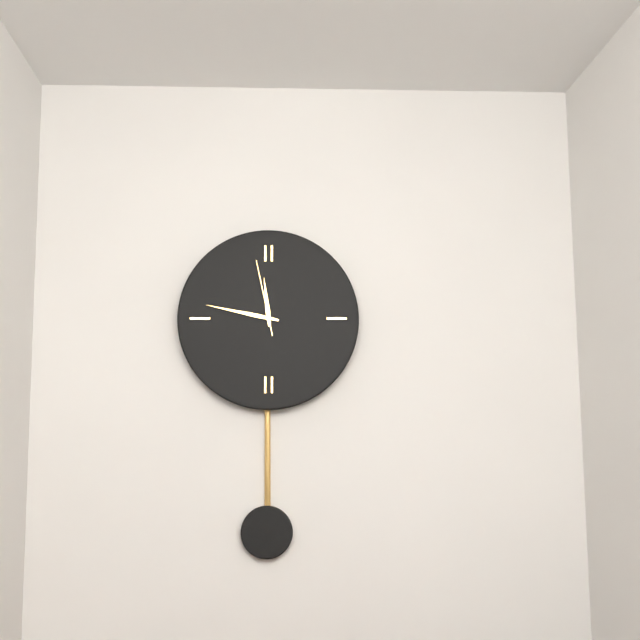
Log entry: 11:47:58
